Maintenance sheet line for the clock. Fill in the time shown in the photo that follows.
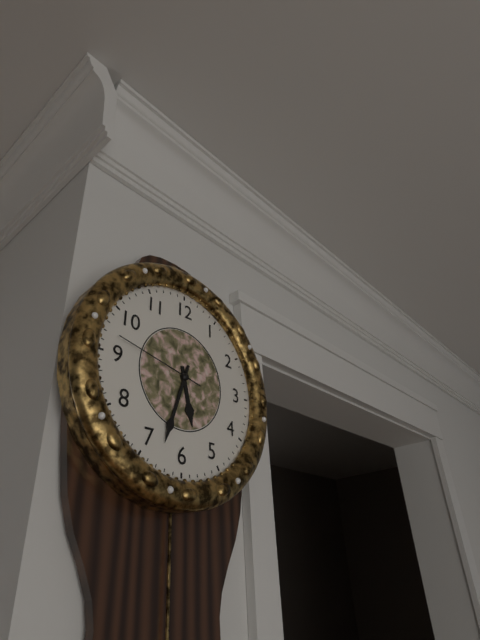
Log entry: 5:33:47
